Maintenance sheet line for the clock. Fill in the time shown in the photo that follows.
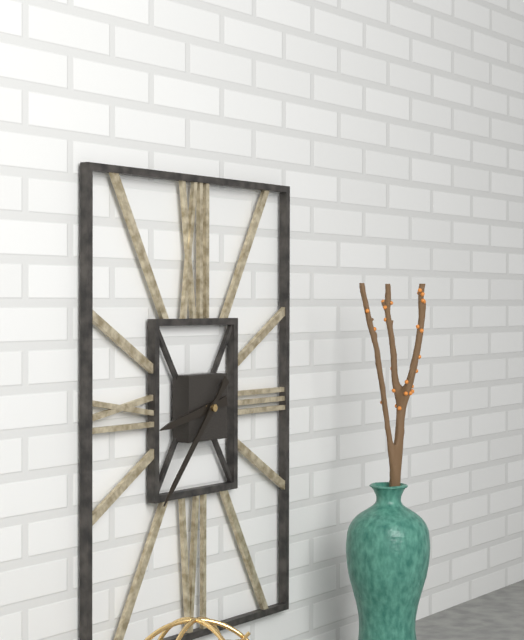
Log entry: 8:37
